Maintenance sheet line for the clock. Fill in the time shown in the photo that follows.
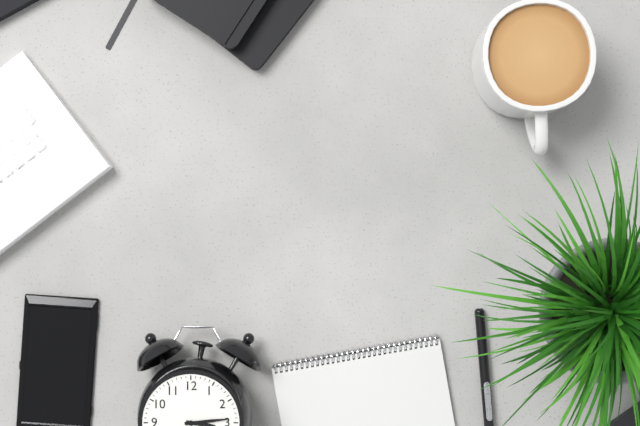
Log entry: 3:14
